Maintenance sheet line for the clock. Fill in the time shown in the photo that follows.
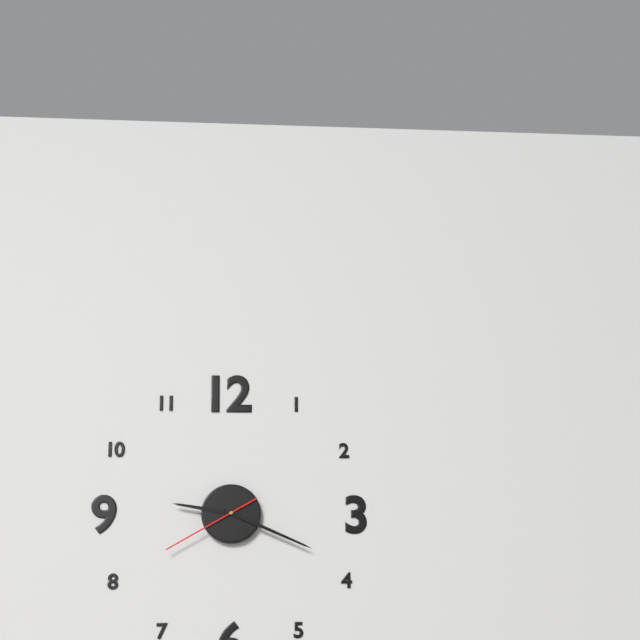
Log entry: 9:19:40
